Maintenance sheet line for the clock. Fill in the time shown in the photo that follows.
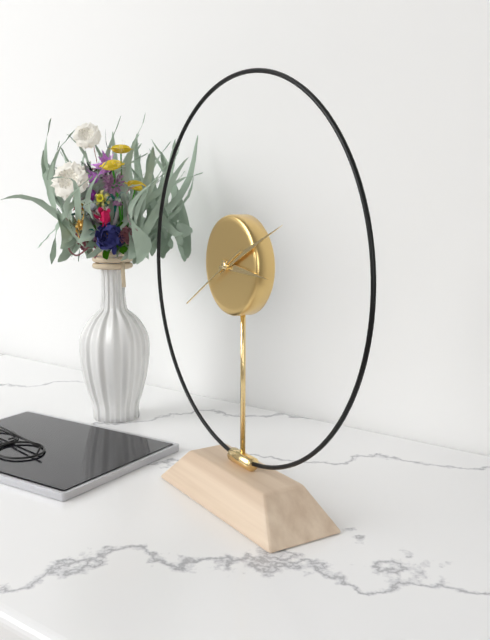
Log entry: 3:11:40
